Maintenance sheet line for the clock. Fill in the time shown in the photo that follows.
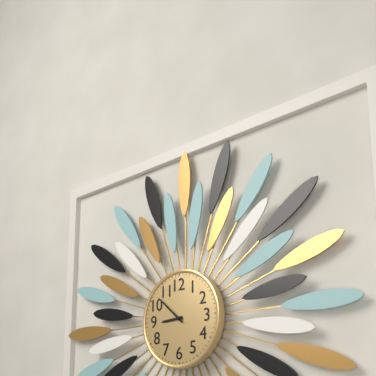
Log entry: 8:52
